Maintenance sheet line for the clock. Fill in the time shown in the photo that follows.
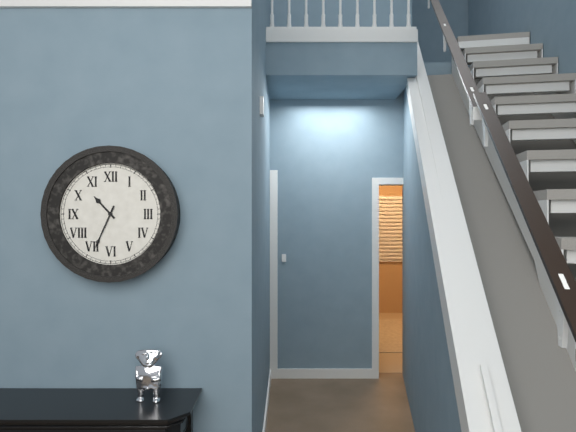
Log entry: 10:34
